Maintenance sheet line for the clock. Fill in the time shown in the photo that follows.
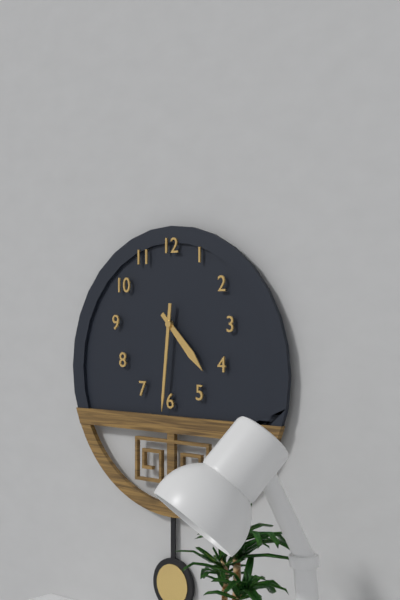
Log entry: 4:31
